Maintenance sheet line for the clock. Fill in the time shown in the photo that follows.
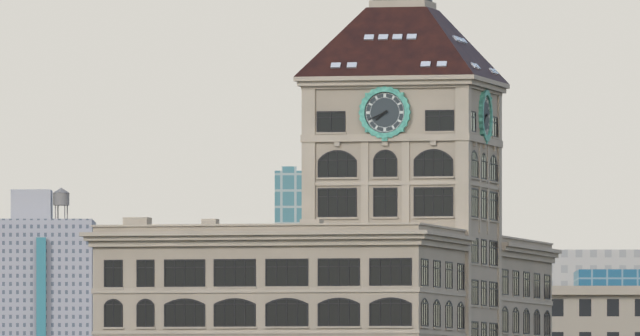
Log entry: 7:41
